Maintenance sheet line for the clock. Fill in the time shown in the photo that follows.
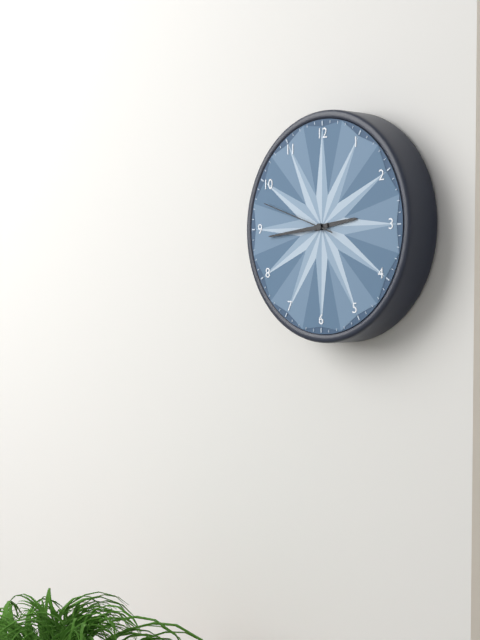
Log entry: 2:44:48
